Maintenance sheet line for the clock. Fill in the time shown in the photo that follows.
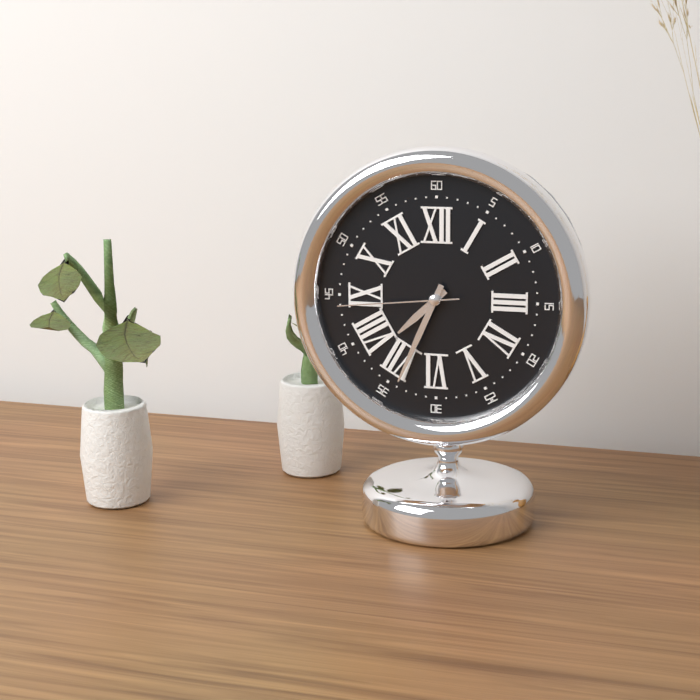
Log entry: 7:34:44
